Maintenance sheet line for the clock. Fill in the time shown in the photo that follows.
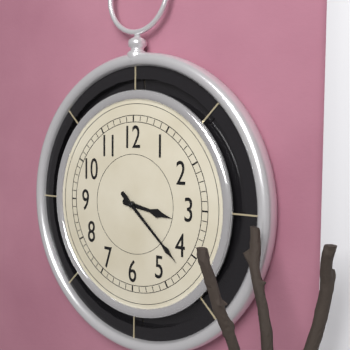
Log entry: 3:22
